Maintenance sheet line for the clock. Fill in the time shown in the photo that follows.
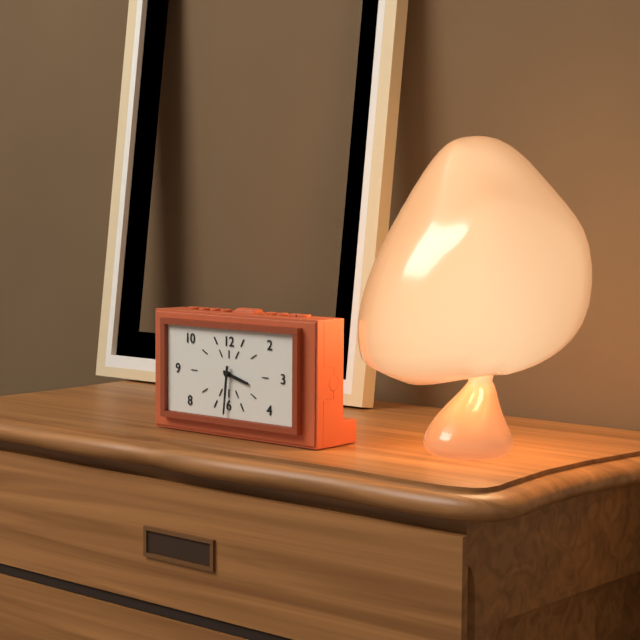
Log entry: 3:31
